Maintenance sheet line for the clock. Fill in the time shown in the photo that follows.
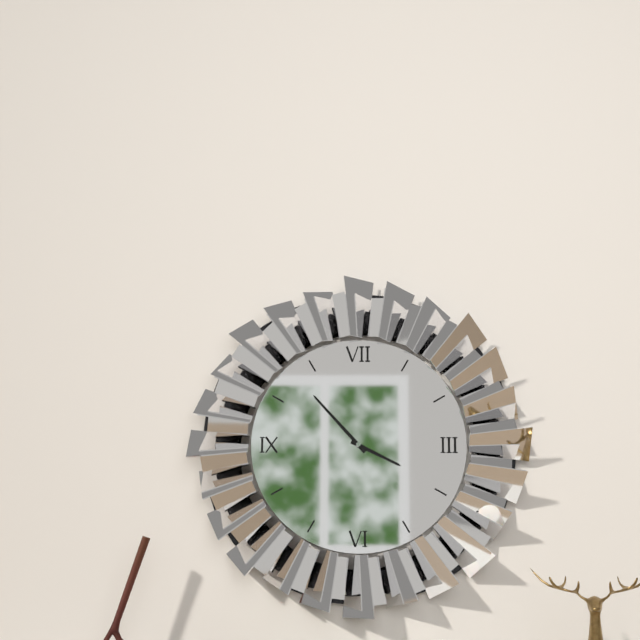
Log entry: 3:53
